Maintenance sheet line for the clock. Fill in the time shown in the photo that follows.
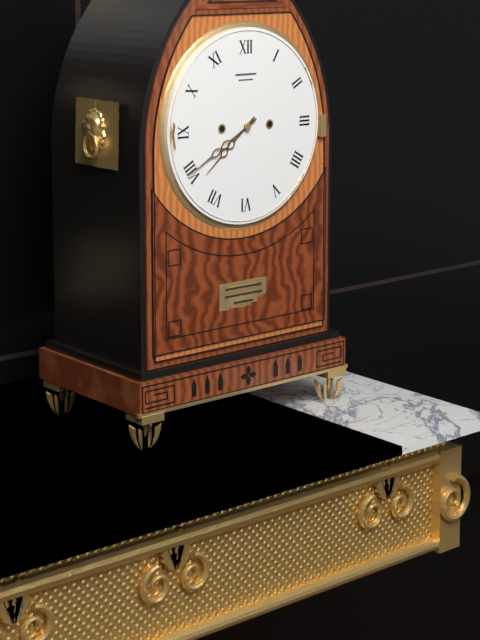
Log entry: 7:40
